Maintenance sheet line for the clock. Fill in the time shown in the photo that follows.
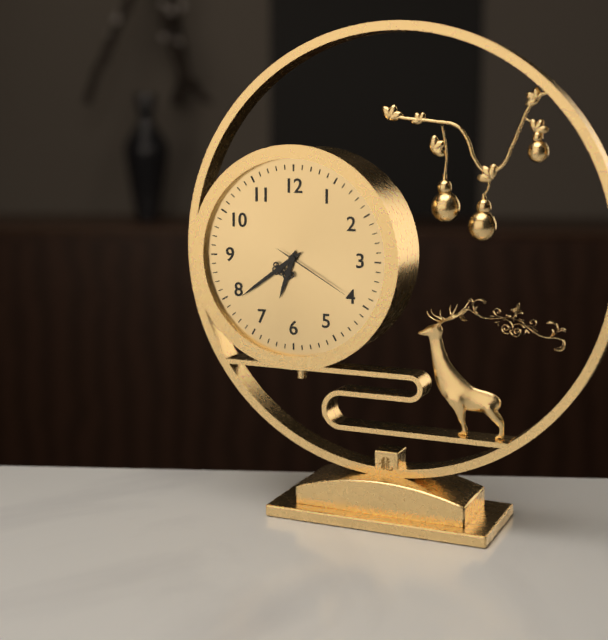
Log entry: 6:39:20
